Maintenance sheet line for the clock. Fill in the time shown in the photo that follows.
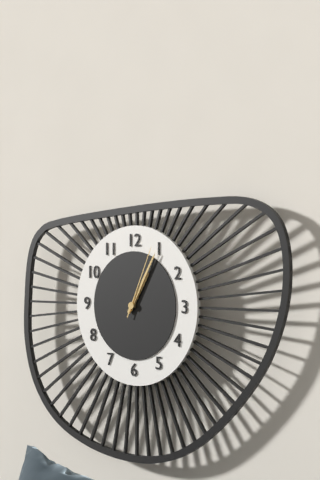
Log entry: 1:05:04
